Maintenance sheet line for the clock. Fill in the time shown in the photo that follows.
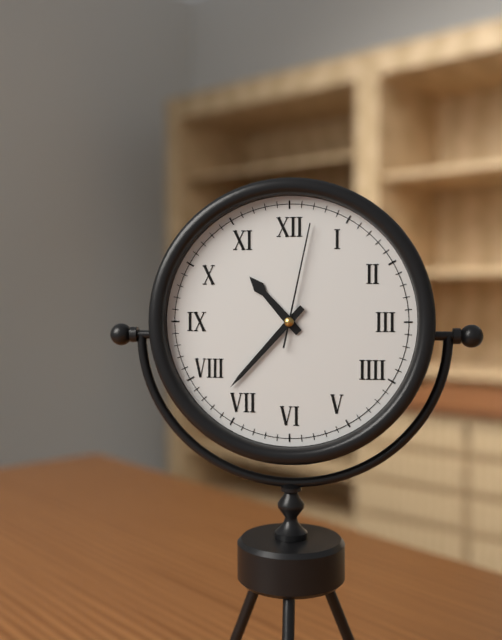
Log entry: 10:37:02
